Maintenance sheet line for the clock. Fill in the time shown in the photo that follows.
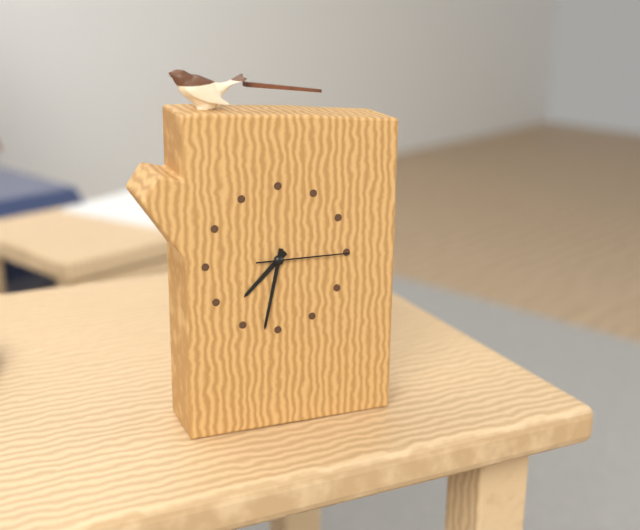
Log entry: 7:32:15
